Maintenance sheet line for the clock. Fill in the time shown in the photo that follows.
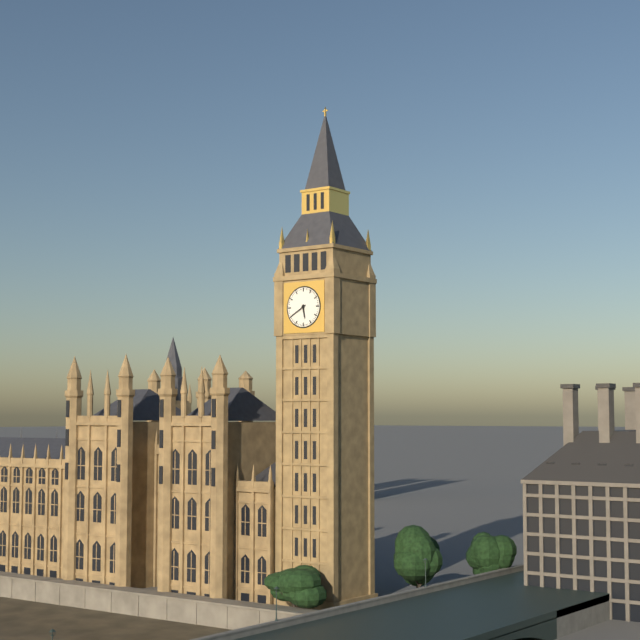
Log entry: 5:40
